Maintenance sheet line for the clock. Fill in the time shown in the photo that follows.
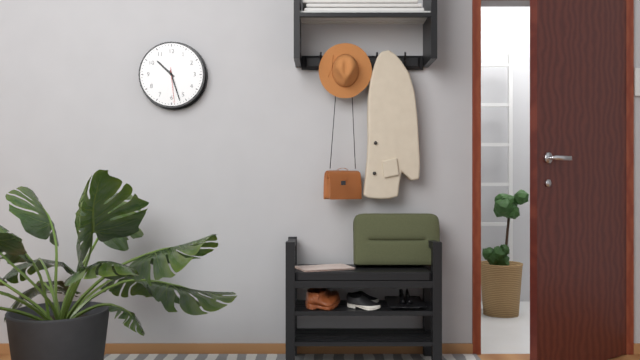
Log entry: 10:27
